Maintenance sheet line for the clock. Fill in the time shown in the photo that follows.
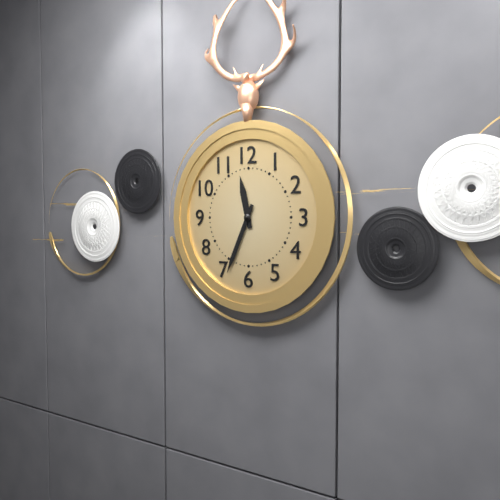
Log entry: 11:34
